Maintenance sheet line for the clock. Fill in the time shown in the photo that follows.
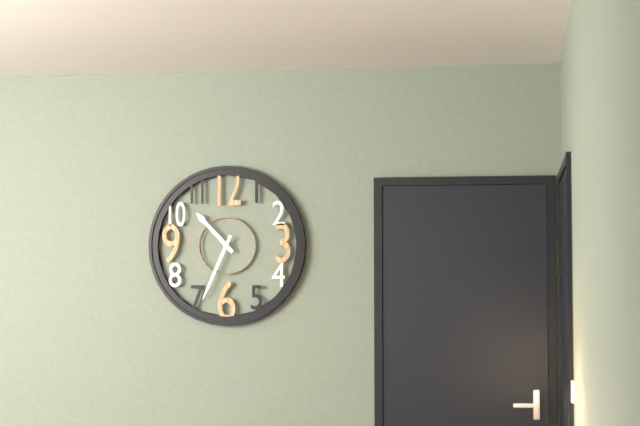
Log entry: 10:34
